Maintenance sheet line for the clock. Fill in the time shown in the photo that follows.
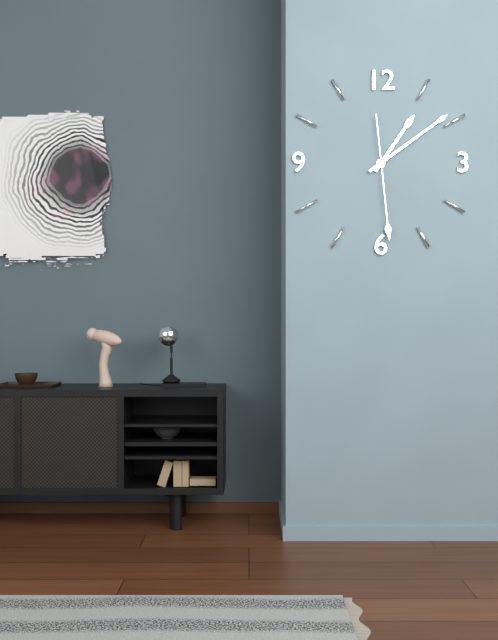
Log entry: 1:09:29
